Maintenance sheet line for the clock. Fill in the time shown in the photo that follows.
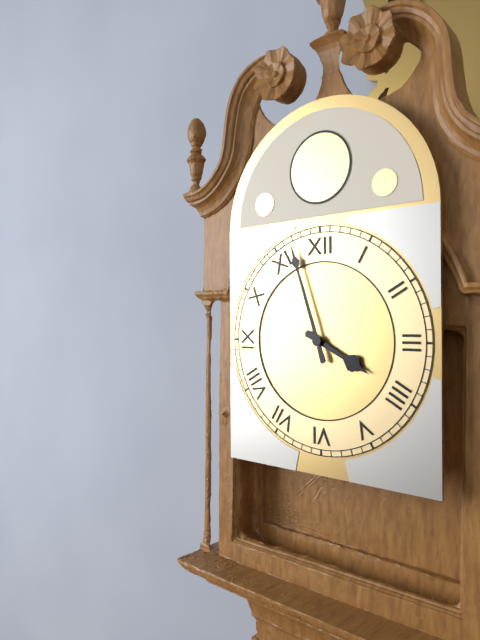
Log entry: 3:57
